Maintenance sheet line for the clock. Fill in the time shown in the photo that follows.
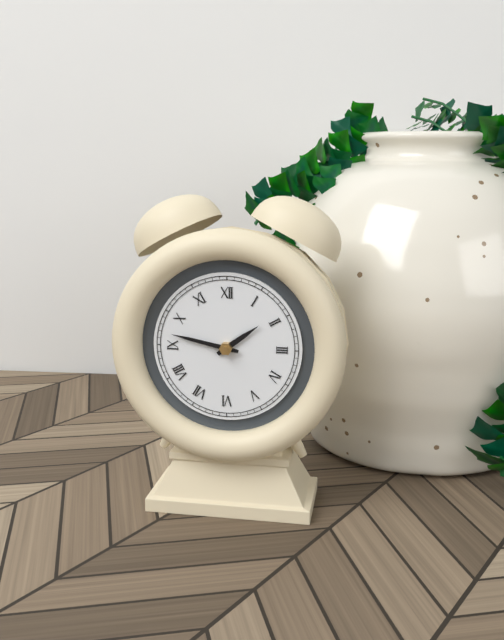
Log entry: 1:47
